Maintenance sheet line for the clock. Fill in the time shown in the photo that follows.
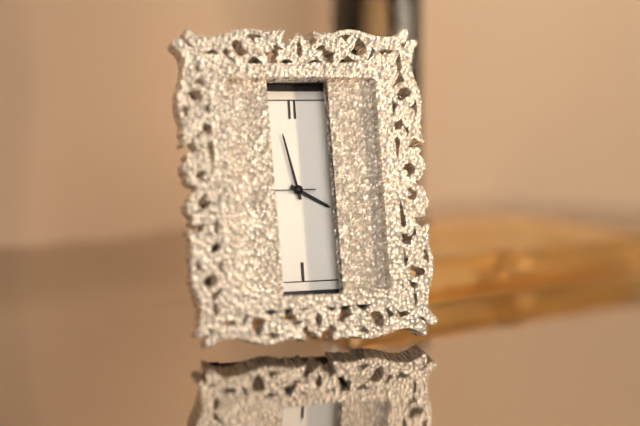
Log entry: 3:58
